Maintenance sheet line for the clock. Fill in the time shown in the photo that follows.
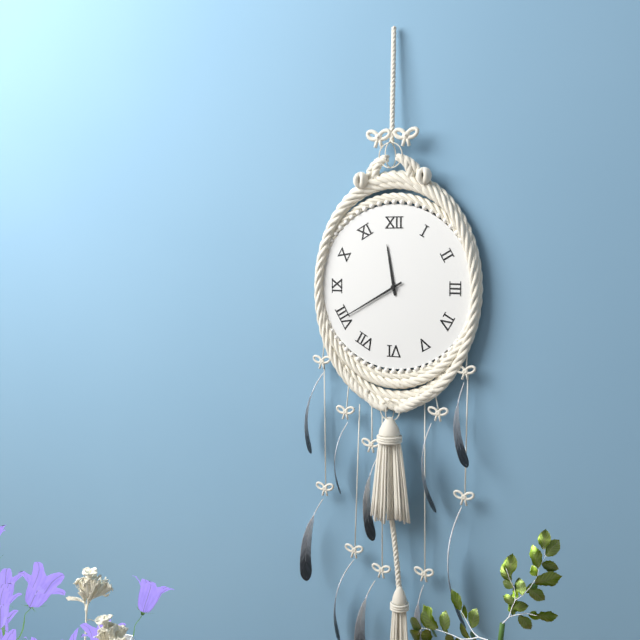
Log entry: 11:40
